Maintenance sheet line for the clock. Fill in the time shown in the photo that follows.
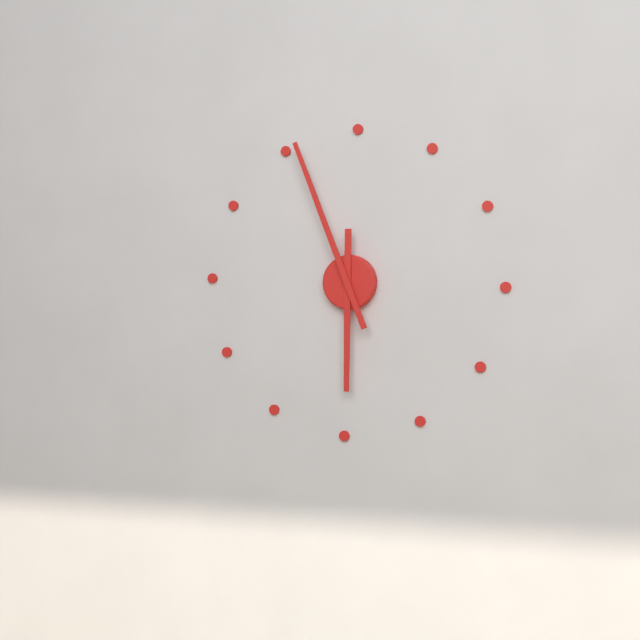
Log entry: 5:56
